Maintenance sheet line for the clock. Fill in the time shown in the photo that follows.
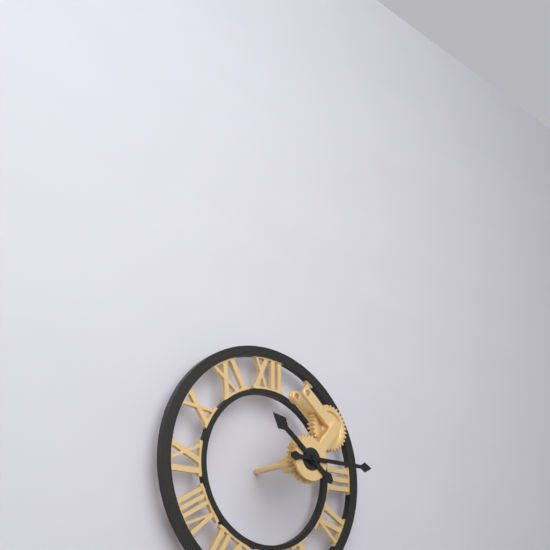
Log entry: 10:15
